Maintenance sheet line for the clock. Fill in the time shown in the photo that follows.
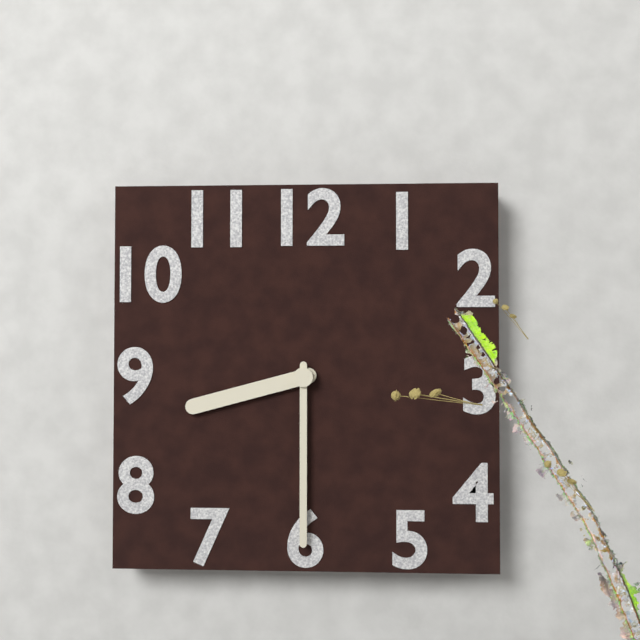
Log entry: 8:30
